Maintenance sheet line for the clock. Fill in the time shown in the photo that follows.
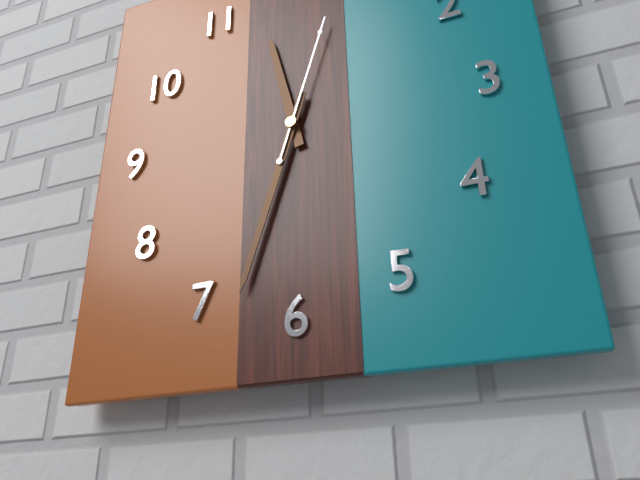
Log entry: 11:33:03
